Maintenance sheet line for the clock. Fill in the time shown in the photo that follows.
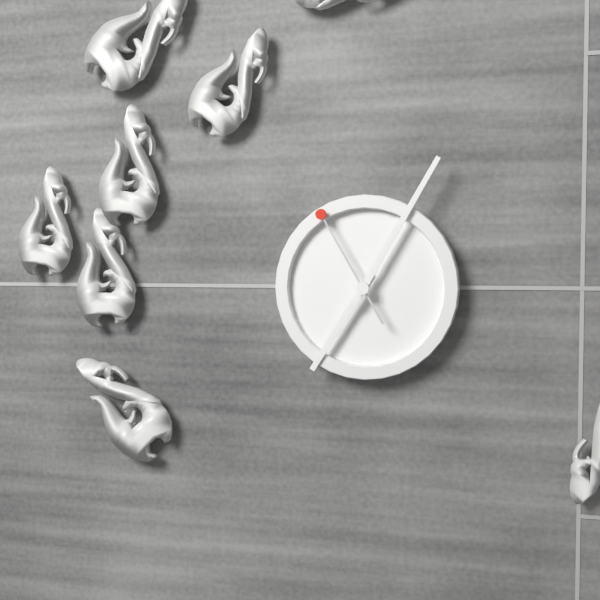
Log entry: 7:05:55
